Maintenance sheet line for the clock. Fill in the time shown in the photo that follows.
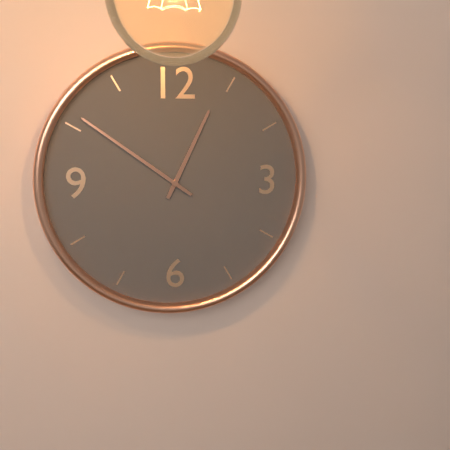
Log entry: 12:51
